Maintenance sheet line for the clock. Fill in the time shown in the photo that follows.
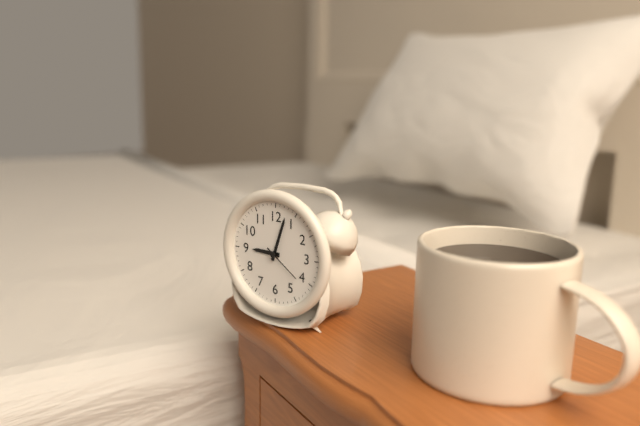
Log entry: 9:03
